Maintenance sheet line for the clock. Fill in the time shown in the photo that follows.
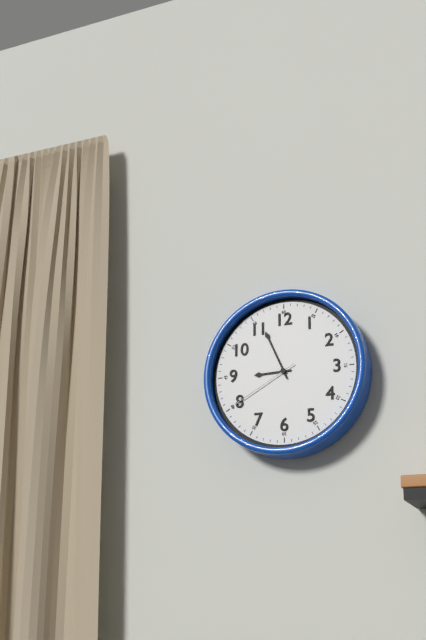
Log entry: 8:56:40
